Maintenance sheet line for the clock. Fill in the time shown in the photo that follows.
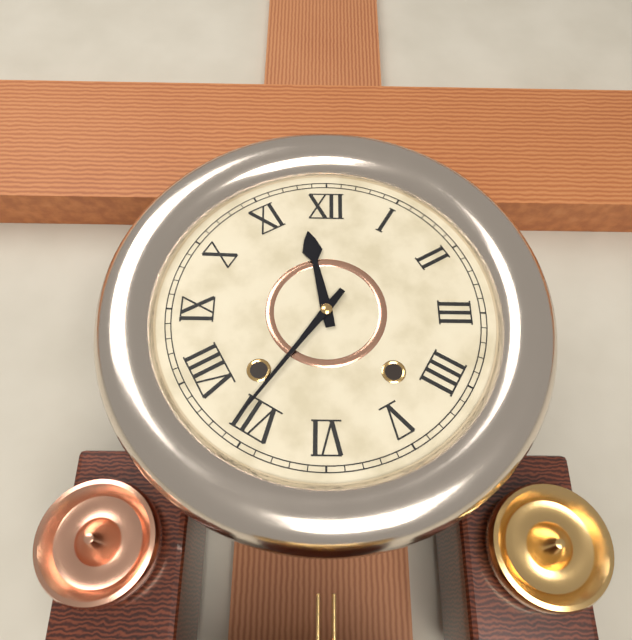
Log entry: 11:36
